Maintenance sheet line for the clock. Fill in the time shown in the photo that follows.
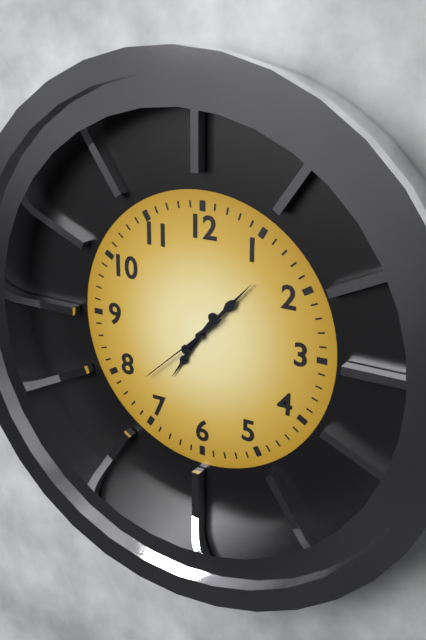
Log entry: 7:07:38
